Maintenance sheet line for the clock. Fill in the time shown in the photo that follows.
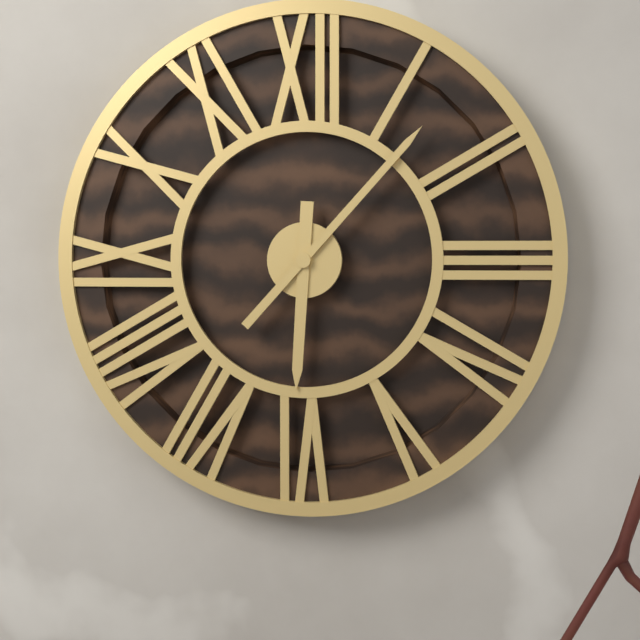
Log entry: 6:07
